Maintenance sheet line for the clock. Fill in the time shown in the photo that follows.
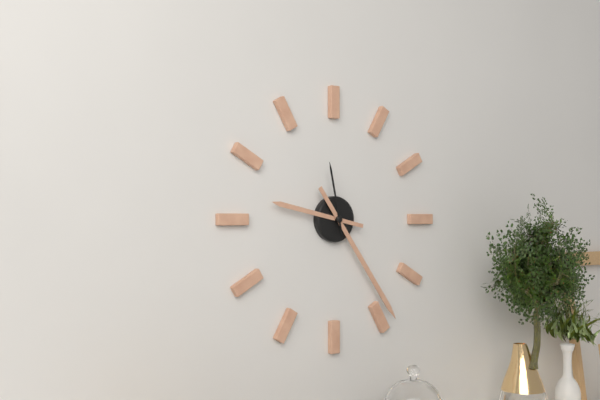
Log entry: 9:24:58
